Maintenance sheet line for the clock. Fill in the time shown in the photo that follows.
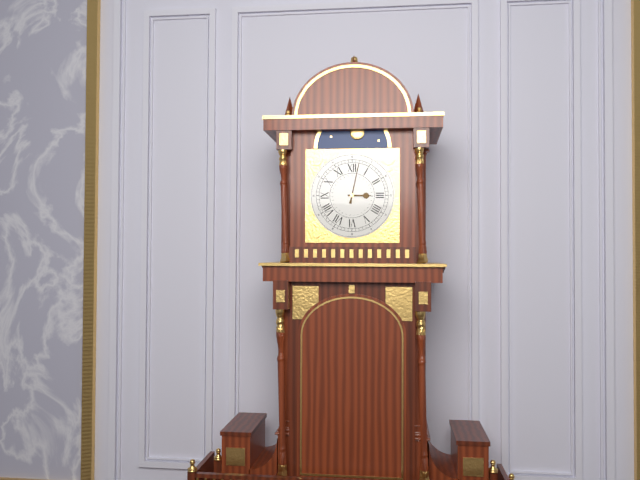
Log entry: 3:02
